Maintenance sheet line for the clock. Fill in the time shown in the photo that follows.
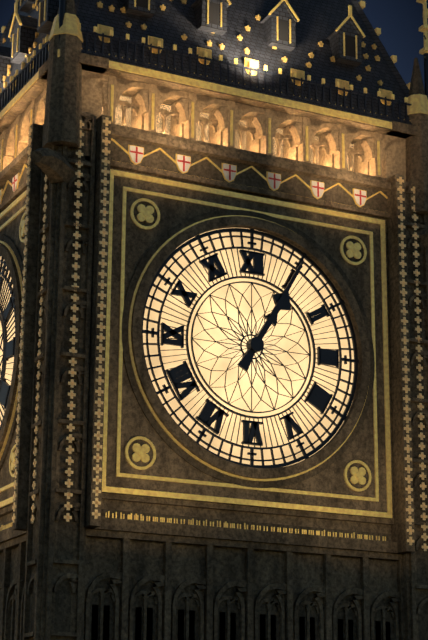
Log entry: 1:05
